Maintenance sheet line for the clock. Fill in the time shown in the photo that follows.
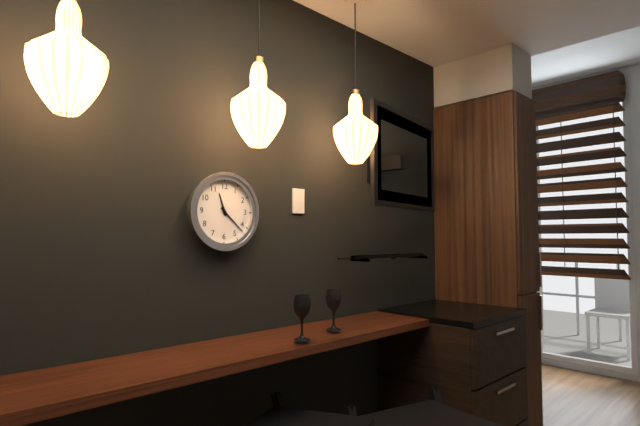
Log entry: 11:22
